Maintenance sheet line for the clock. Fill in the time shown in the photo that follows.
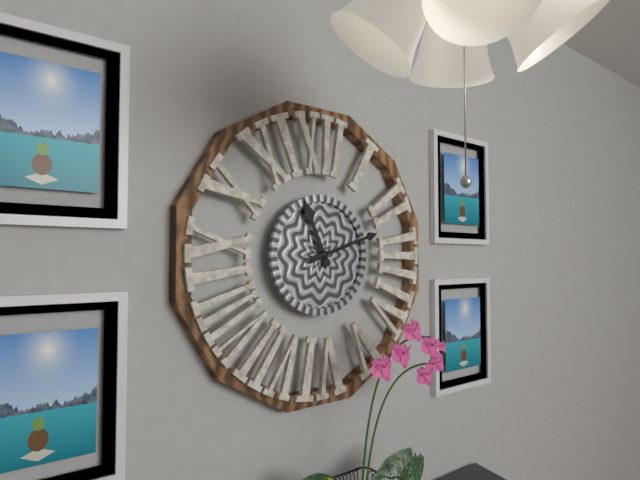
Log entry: 11:12
